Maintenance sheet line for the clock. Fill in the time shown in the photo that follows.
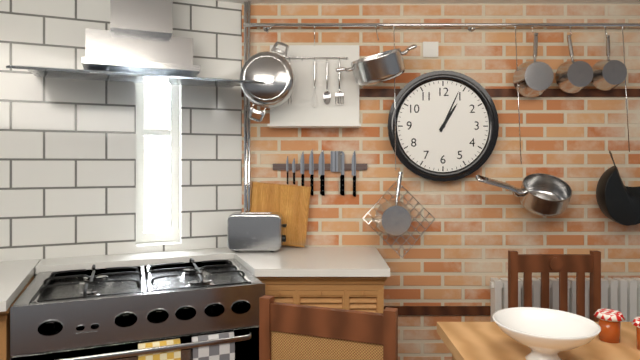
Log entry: 1:04
